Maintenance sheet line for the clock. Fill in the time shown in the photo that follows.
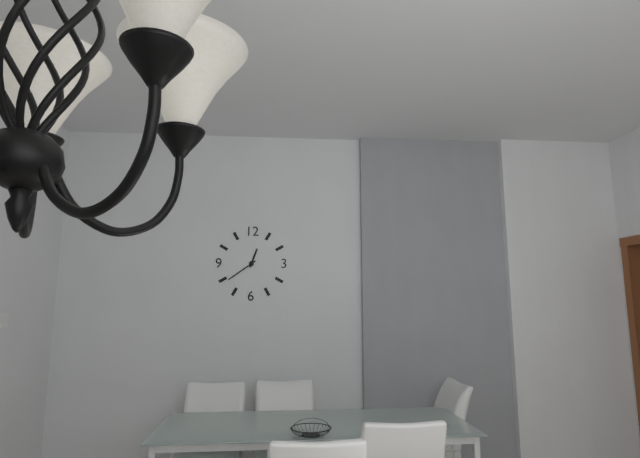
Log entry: 12:39
